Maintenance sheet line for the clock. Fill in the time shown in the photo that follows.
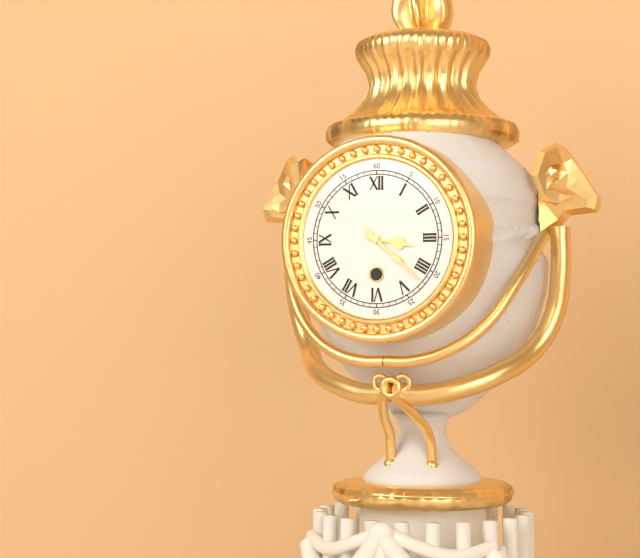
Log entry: 3:22
